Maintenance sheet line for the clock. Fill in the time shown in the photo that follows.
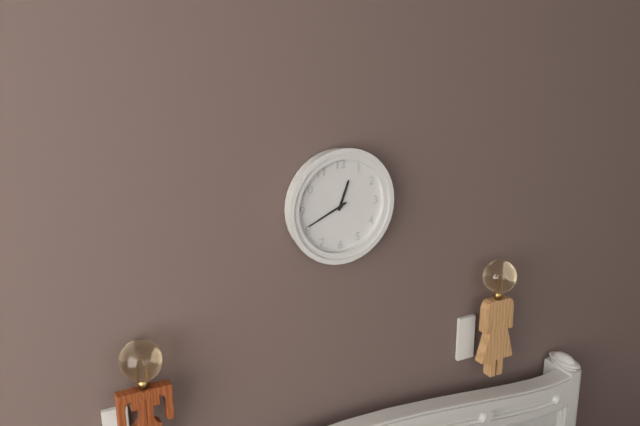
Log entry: 12:41
